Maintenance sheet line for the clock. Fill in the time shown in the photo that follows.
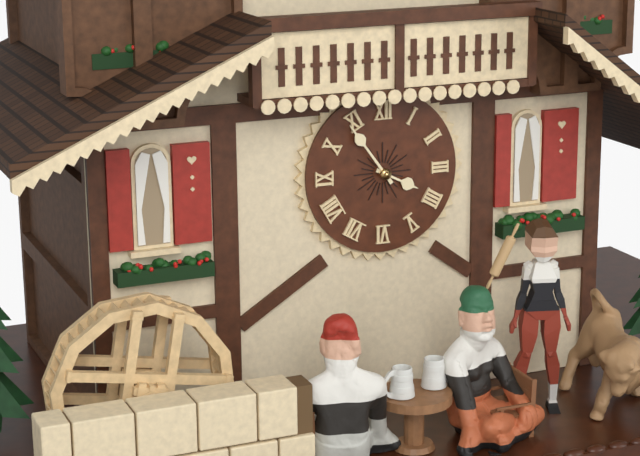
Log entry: 3:54
